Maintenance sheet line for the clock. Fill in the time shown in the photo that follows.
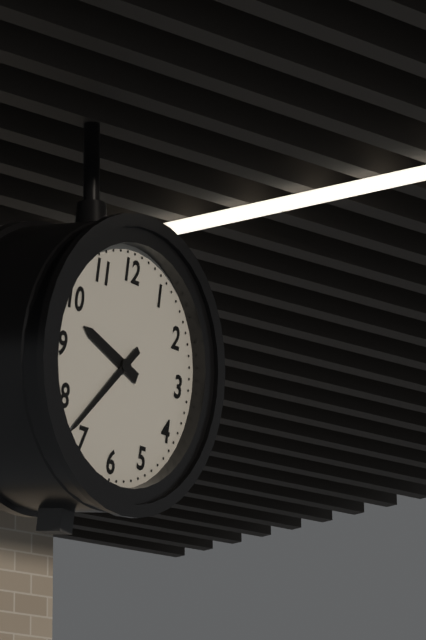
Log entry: 9:37
